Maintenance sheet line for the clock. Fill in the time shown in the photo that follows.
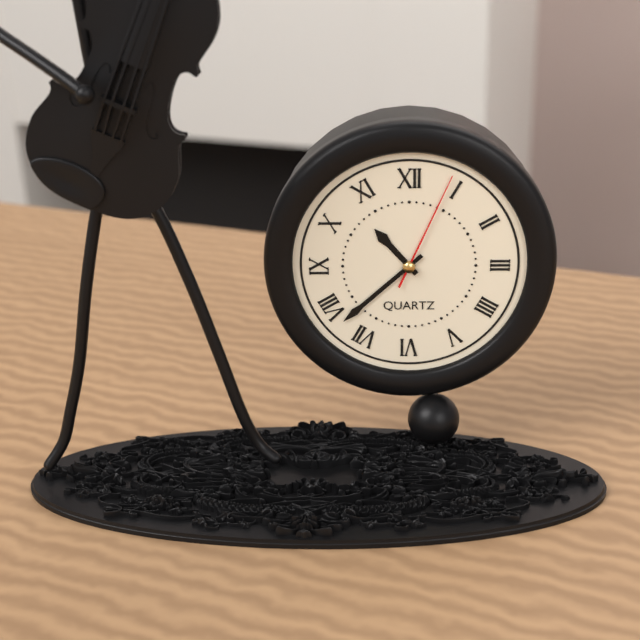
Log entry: 10:38:04
